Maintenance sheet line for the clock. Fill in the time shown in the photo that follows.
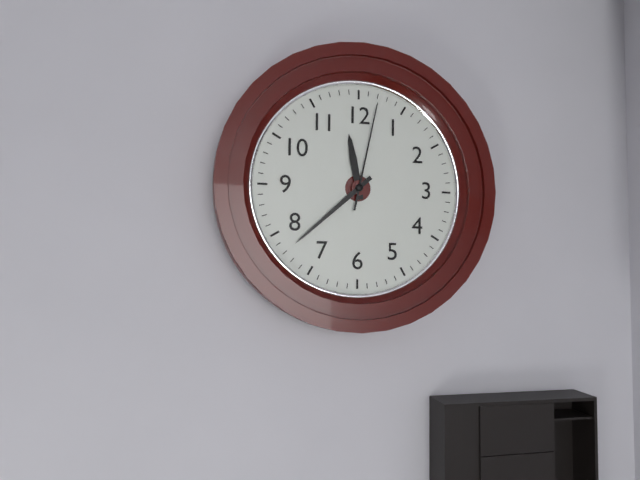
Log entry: 11:38:02
